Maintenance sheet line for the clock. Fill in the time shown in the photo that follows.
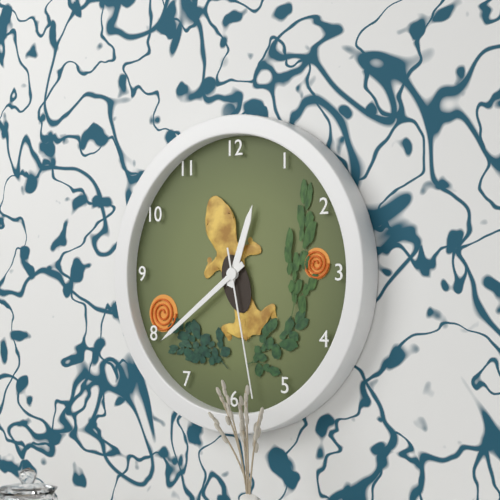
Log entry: 12:39:28
